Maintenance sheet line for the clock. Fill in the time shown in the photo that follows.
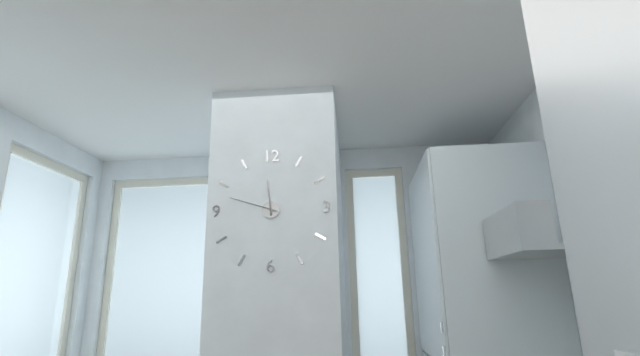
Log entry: 11:48
